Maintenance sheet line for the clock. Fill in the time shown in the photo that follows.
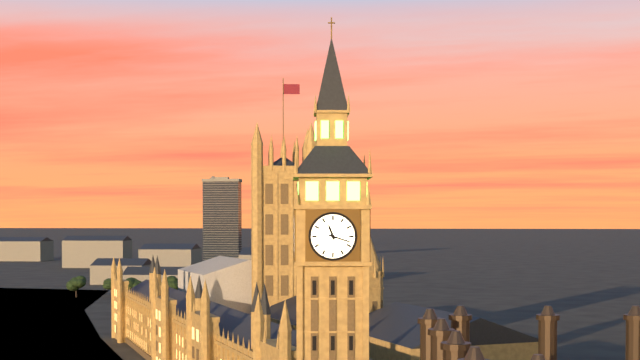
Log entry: 11:18
